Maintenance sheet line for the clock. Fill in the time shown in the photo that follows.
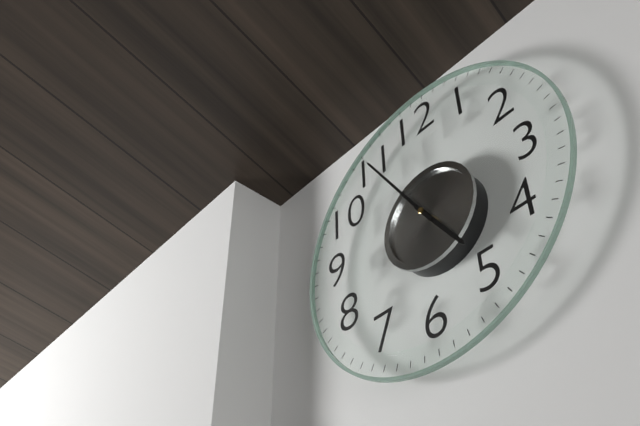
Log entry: 4:55
